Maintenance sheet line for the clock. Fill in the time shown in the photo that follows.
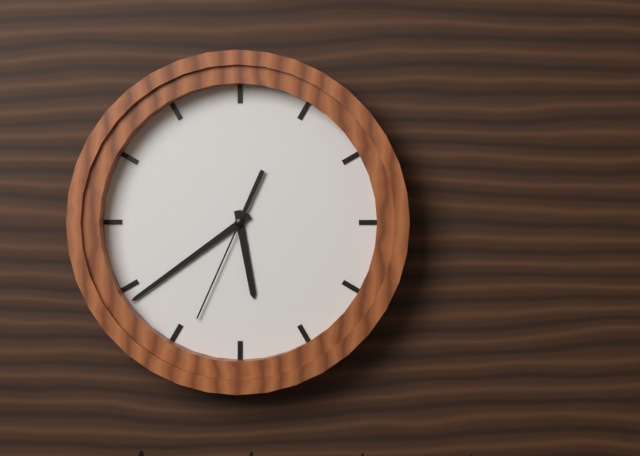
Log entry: 5:39:34
